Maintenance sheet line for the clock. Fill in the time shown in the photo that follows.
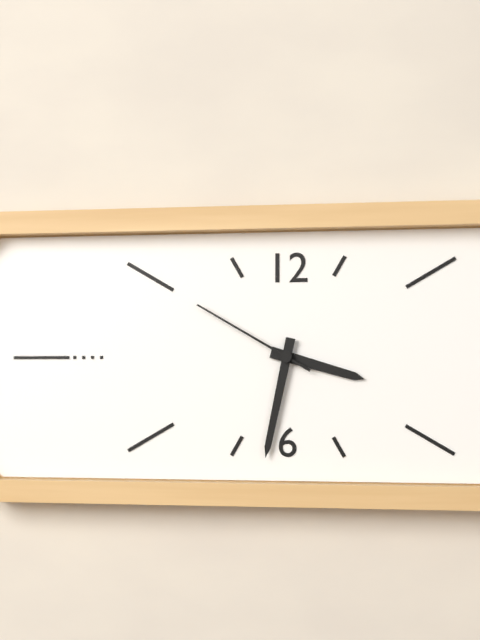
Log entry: 3:32:50
